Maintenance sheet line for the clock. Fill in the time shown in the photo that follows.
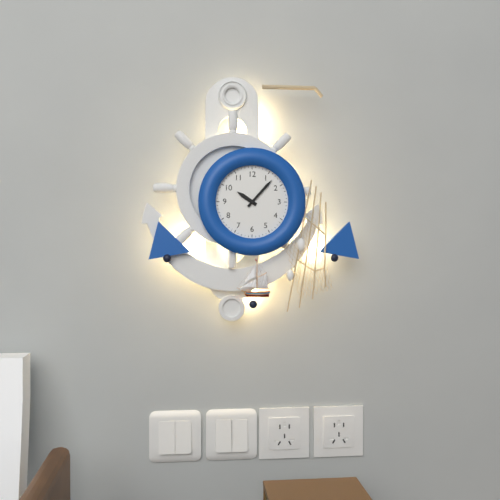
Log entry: 10:07
